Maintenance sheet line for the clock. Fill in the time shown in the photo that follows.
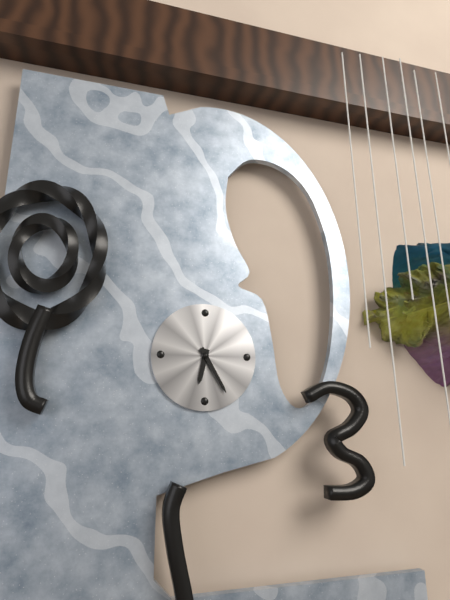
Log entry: 6:25
